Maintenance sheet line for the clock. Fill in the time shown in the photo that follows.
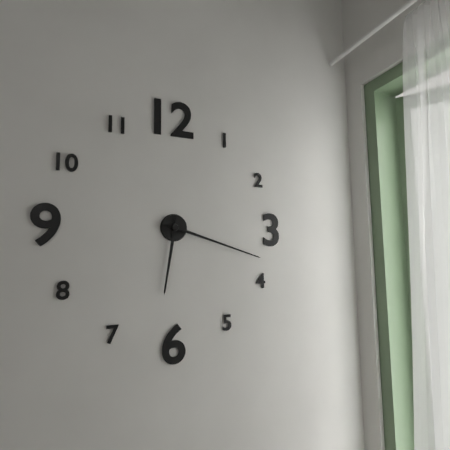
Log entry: 6:18
